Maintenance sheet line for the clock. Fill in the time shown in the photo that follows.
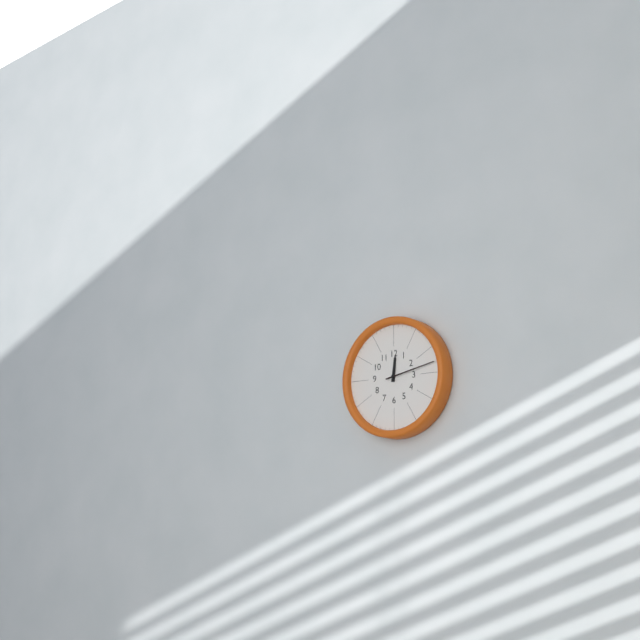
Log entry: 12:13
